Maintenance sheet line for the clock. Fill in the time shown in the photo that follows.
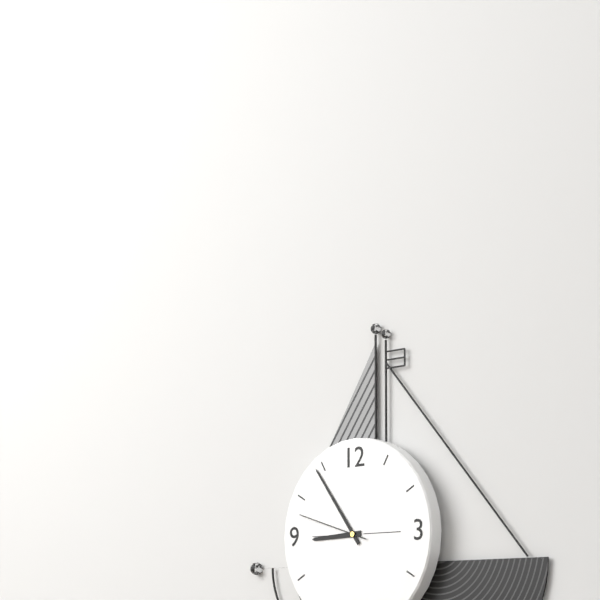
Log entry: 8:54:48
